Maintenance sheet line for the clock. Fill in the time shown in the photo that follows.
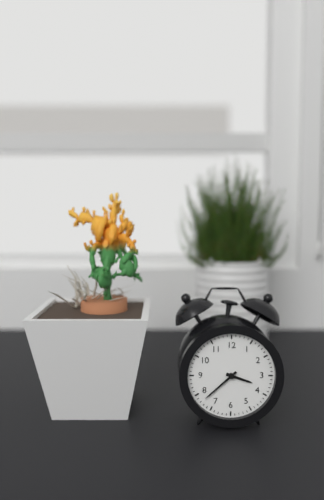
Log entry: 3:38
